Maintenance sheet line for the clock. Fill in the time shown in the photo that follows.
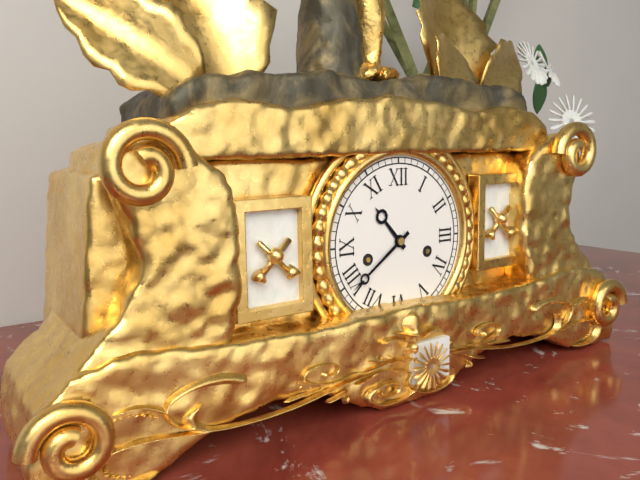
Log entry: 10:39
